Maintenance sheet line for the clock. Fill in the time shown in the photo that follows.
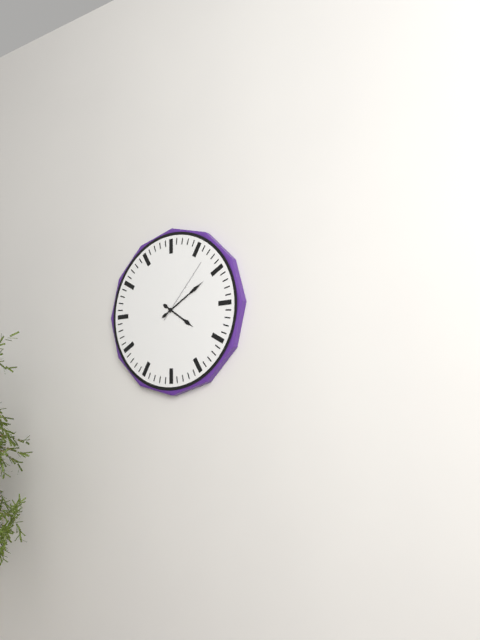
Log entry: 4:10:07
